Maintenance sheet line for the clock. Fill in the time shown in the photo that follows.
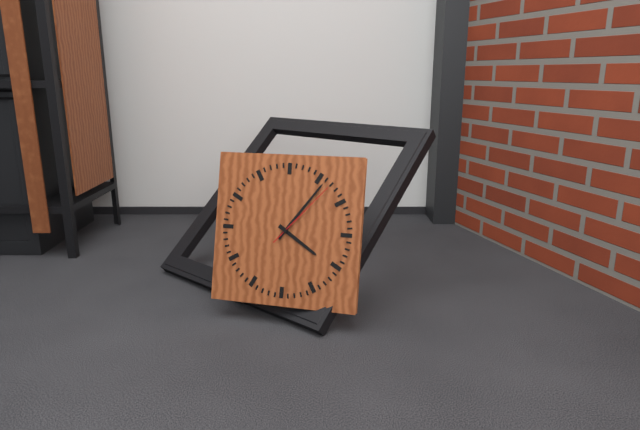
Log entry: 4:06:07
